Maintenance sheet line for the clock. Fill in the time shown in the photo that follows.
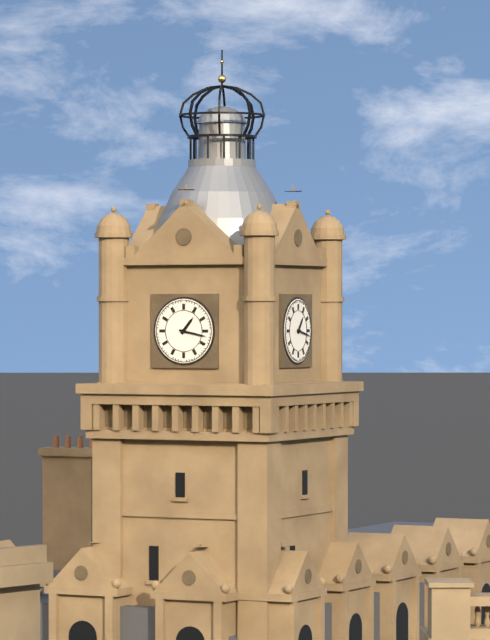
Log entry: 1:17
